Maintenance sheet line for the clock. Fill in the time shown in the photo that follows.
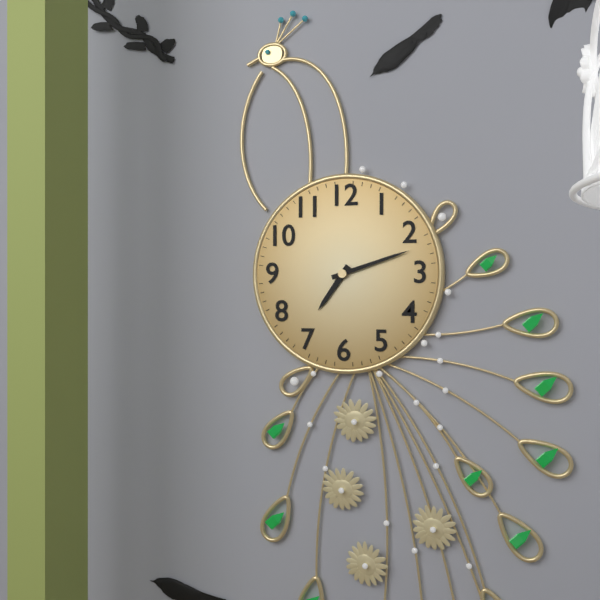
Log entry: 7:12
